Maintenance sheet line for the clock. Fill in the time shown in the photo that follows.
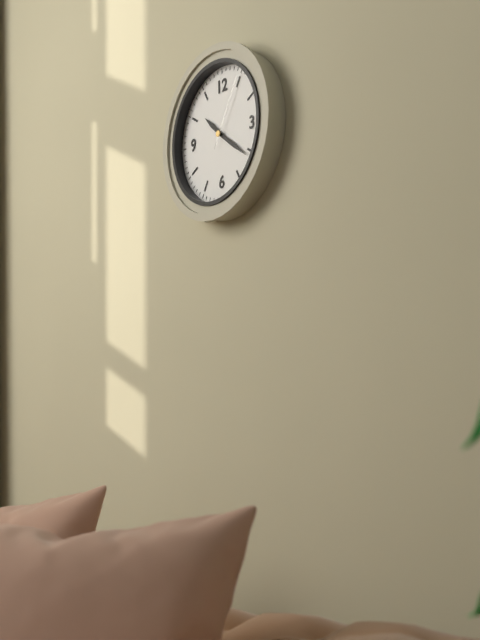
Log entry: 10:21:05
